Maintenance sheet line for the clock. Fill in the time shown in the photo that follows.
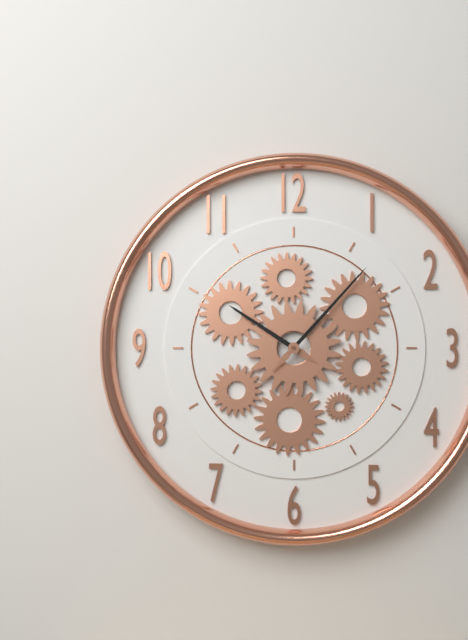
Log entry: 10:07
